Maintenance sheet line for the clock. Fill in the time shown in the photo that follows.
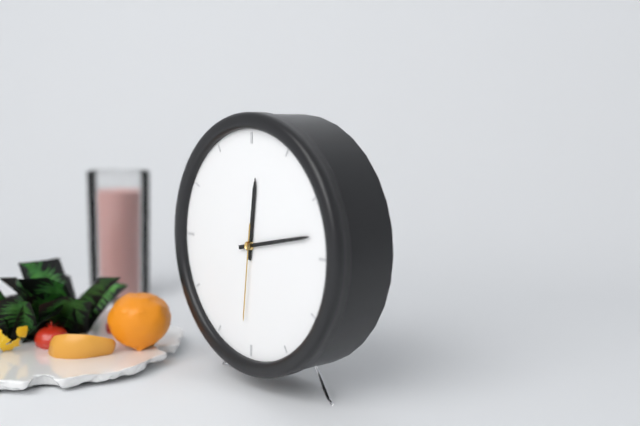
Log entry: 12:13:31
